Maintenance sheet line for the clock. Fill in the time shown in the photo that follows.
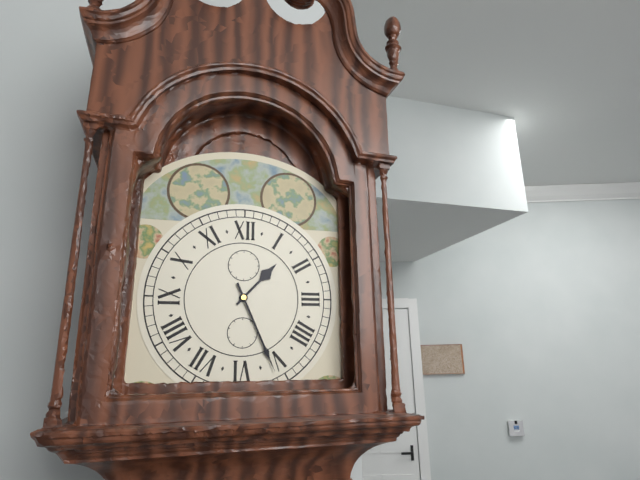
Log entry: 1:26
